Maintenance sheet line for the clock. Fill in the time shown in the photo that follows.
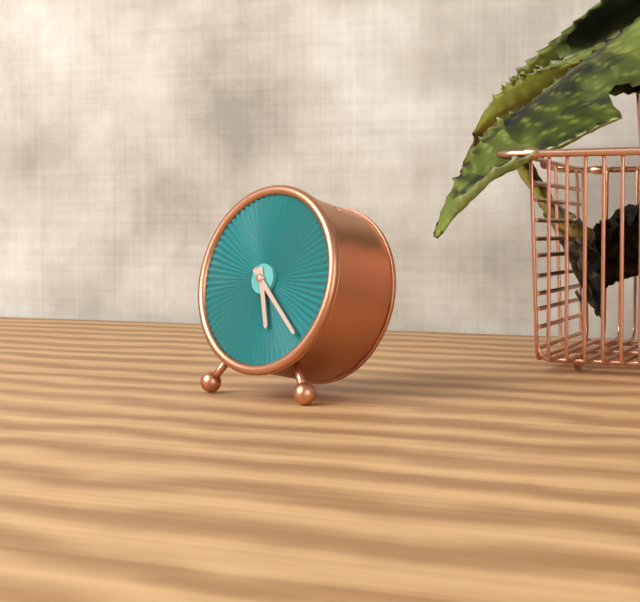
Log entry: 5:22
